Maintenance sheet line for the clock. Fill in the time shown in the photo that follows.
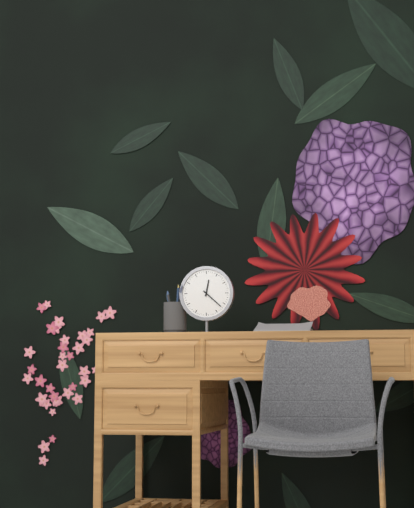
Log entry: 12:22
